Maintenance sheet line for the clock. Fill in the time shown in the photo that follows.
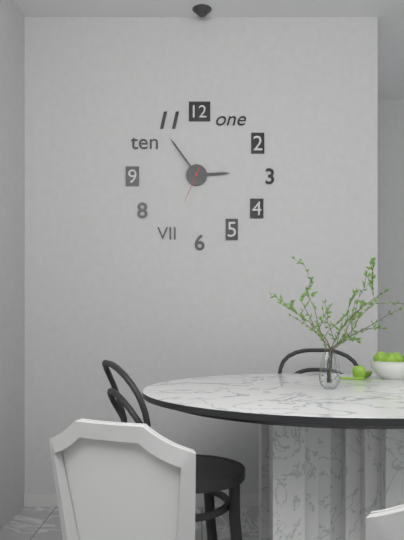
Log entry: 2:54
